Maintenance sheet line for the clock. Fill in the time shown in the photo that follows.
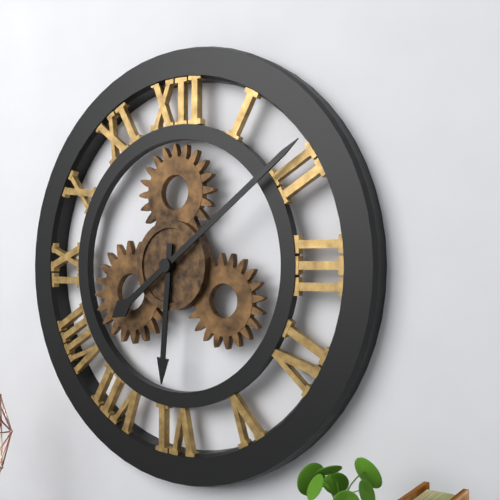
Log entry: 6:09
